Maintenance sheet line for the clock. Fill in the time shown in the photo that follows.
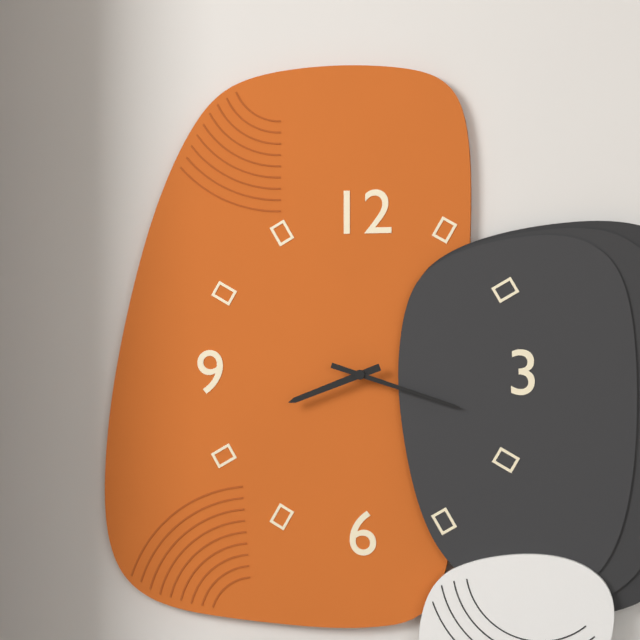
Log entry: 8:18
